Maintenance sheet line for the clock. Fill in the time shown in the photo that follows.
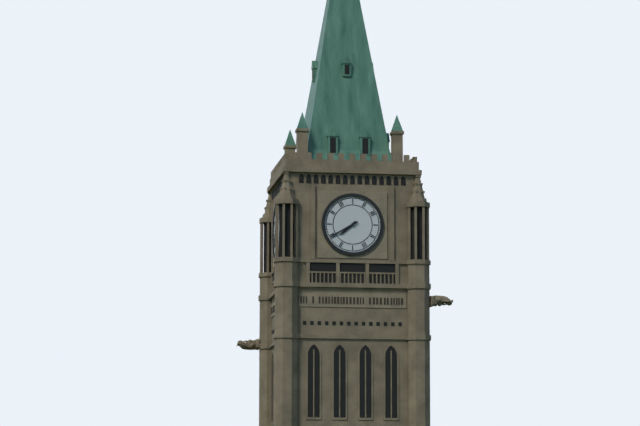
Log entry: 7:40
